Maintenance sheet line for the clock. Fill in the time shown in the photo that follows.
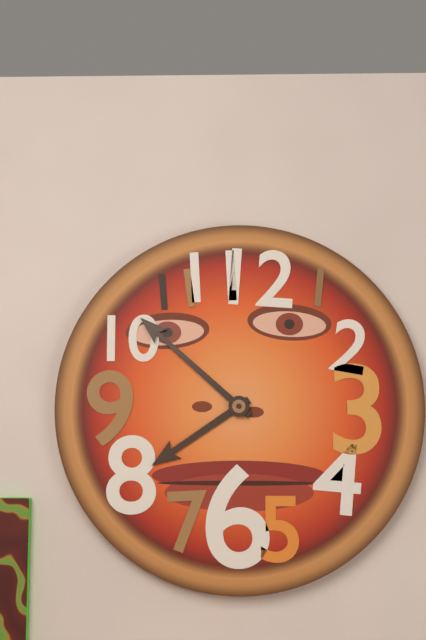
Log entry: 7:52
